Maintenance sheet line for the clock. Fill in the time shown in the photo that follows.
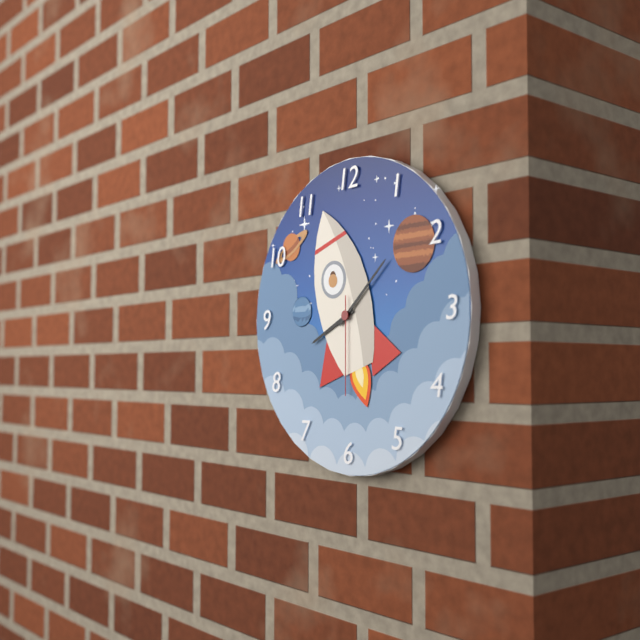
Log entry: 8:08:30
